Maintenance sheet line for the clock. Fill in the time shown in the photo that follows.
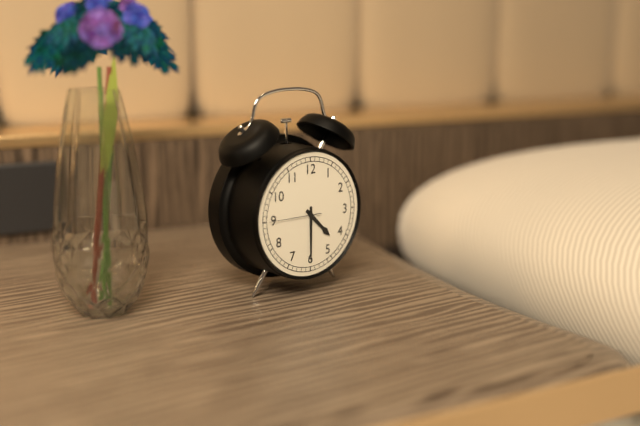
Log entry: 4:30:45
